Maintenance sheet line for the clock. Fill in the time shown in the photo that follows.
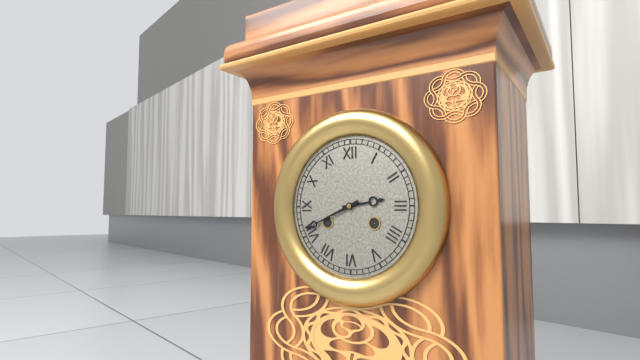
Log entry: 2:41
